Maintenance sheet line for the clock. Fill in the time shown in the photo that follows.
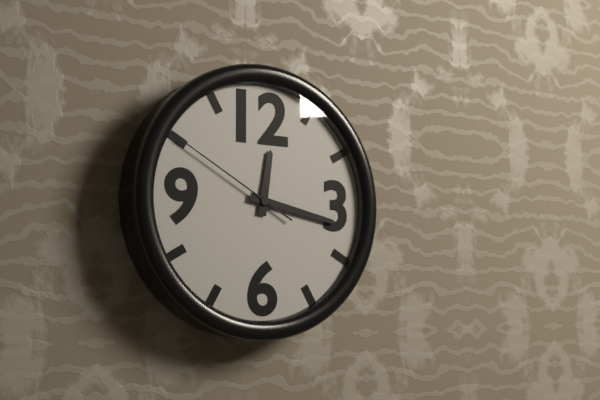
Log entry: 12:17:50
